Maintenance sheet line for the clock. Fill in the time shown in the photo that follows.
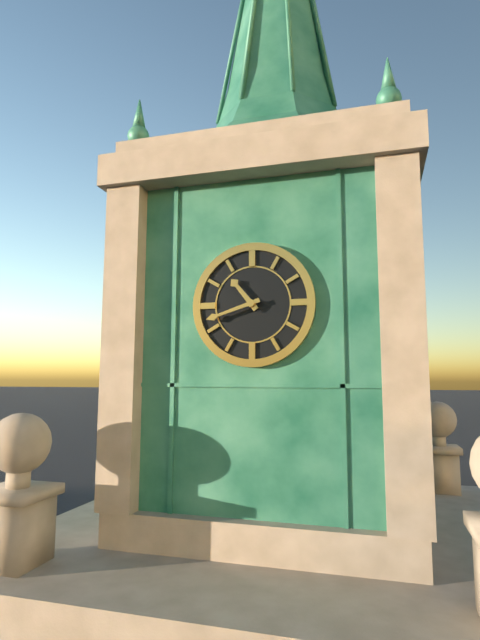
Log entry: 10:42
